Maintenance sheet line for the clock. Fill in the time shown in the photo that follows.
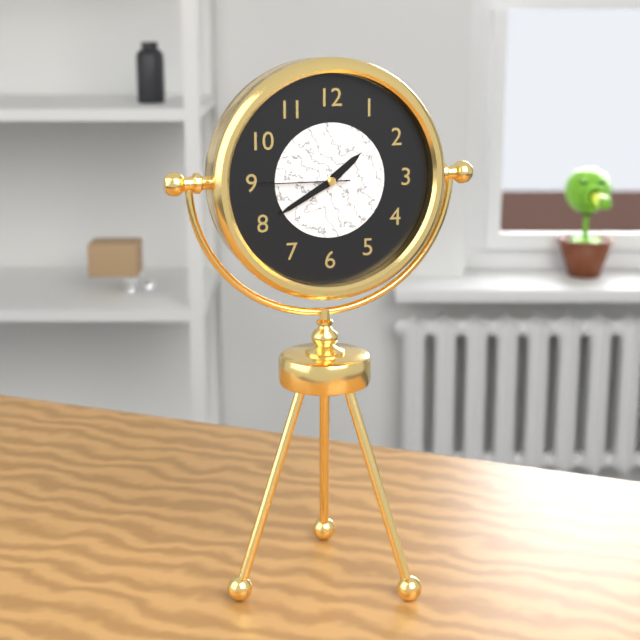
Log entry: 1:40:45
